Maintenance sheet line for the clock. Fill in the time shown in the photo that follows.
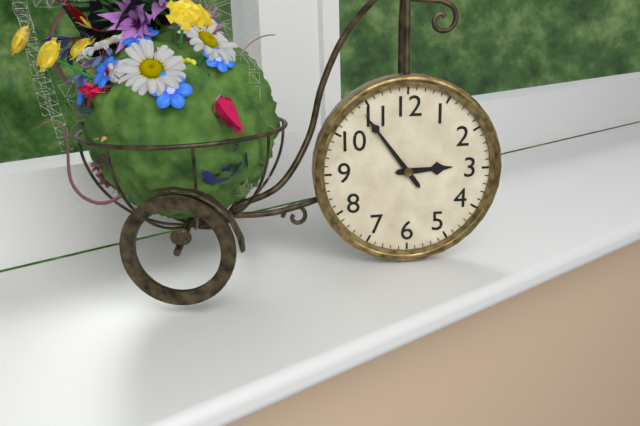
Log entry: 2:54
